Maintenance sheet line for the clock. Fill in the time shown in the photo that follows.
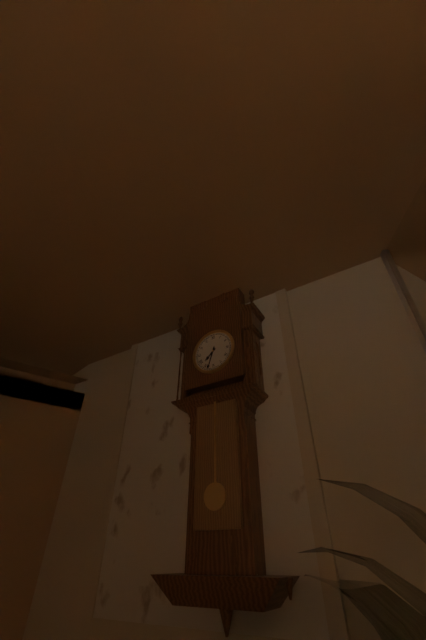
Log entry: 7:33
